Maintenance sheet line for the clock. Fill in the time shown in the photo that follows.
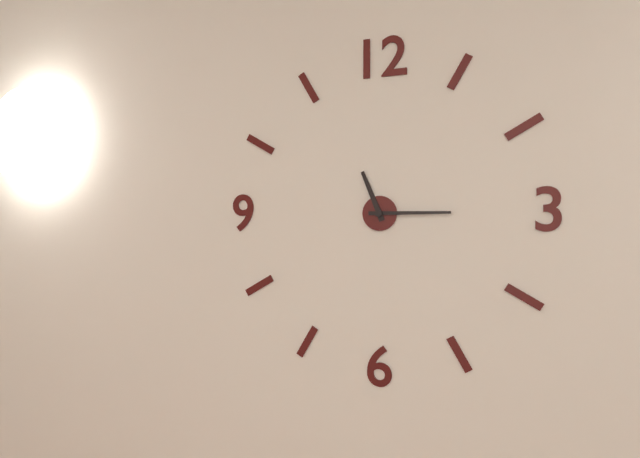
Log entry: 11:15
